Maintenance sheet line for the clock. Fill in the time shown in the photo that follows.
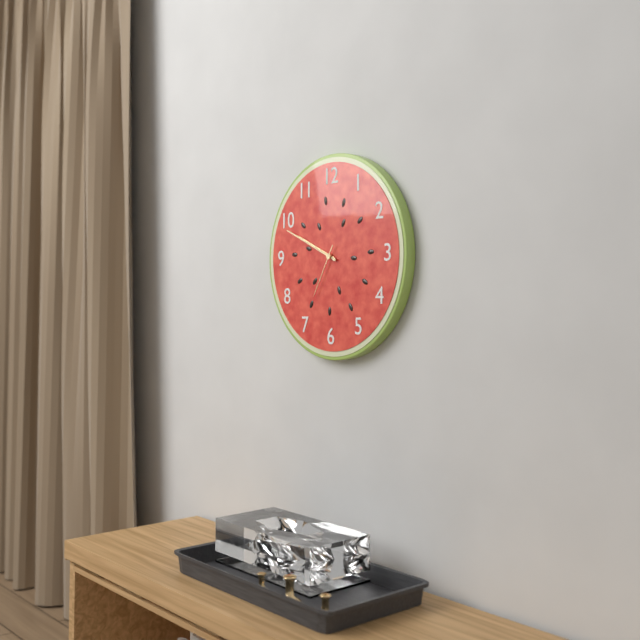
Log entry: 9:49:35
